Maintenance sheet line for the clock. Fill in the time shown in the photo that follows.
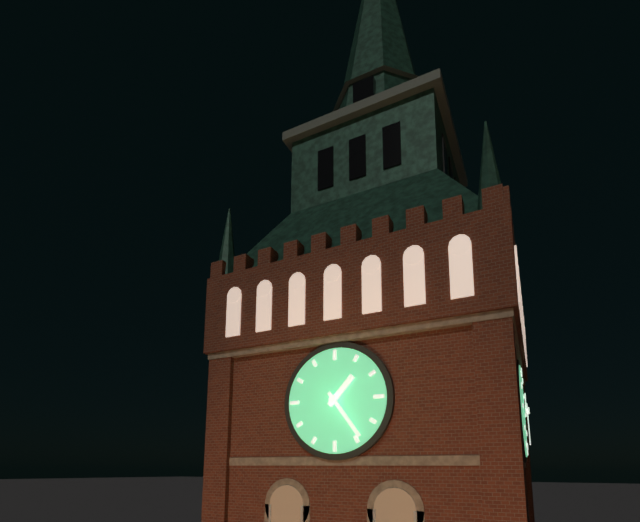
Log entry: 1:24
